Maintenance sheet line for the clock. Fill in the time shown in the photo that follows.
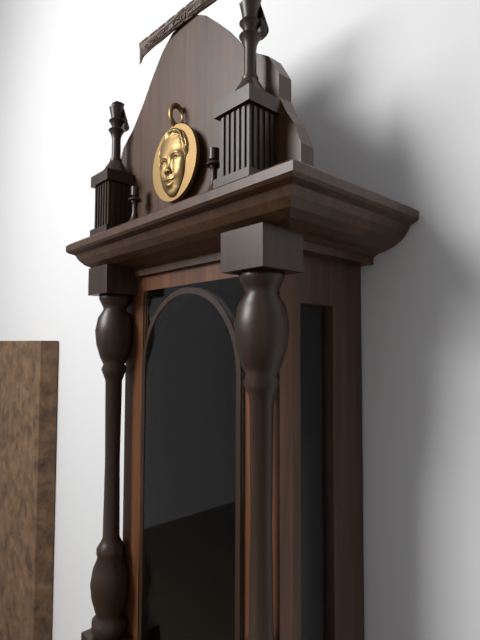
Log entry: 8:00
